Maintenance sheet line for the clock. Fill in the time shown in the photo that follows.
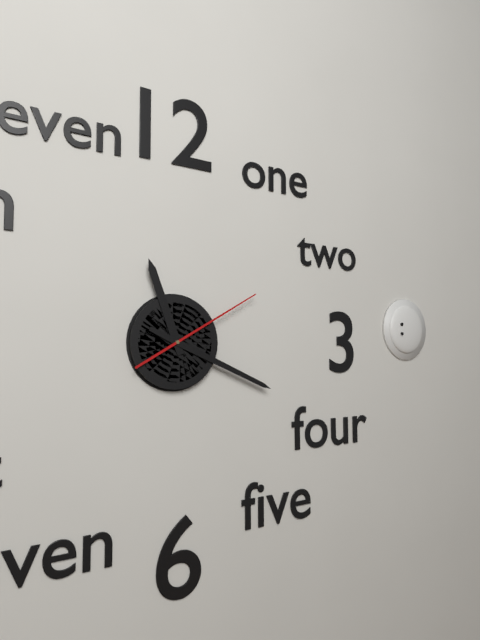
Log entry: 11:19:10
